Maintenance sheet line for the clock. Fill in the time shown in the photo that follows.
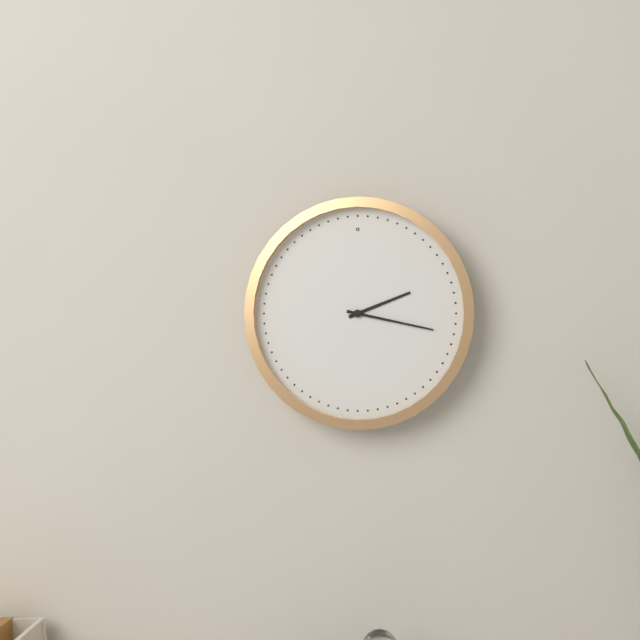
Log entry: 2:17
